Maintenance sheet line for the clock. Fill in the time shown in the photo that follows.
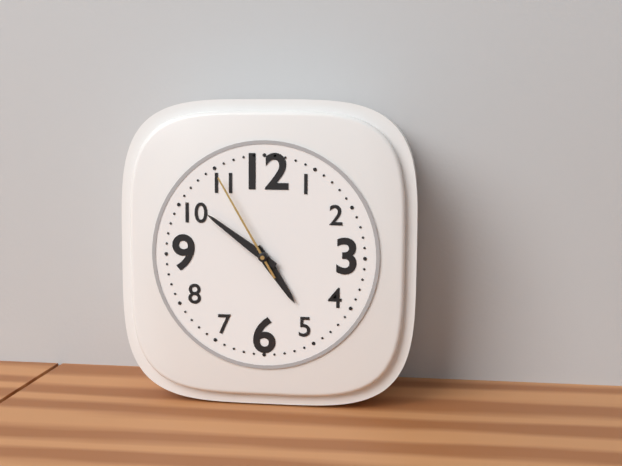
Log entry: 4:51:55
